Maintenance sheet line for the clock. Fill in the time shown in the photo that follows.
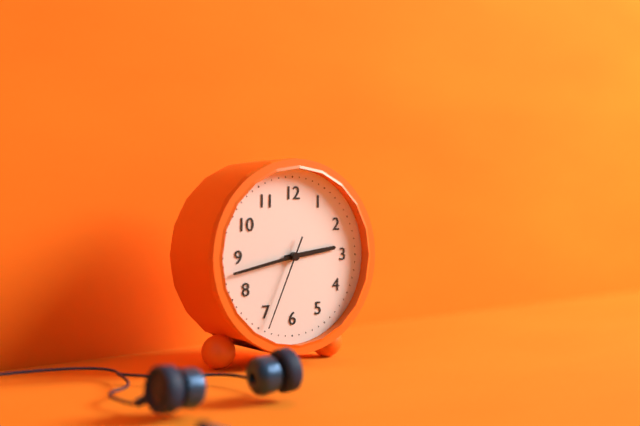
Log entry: 2:43:34
